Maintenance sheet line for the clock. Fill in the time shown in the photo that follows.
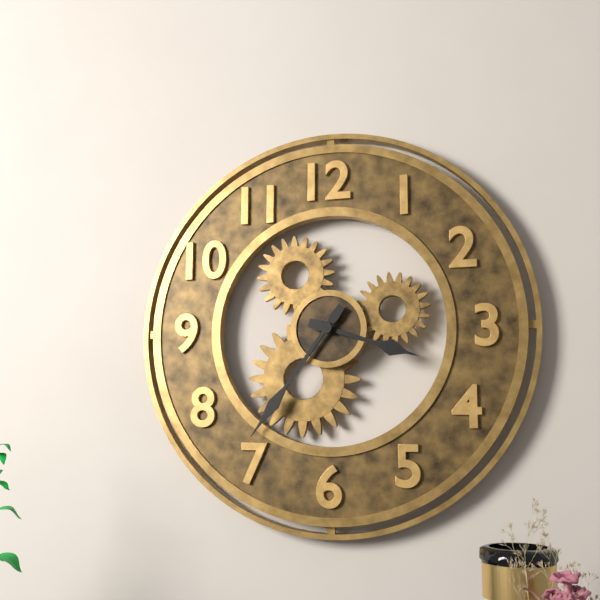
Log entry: 3:36
